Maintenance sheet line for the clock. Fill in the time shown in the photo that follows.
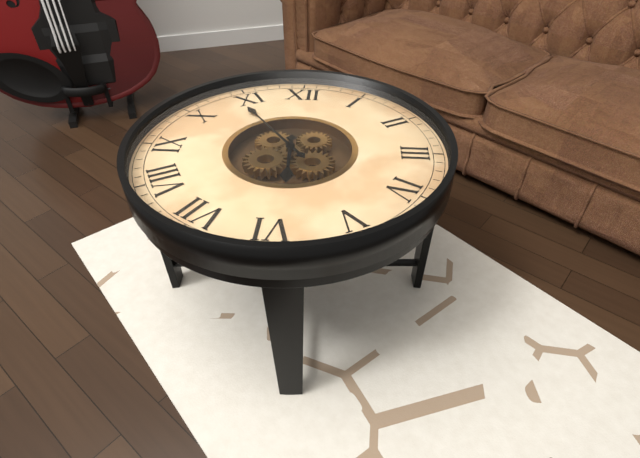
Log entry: 5:54
